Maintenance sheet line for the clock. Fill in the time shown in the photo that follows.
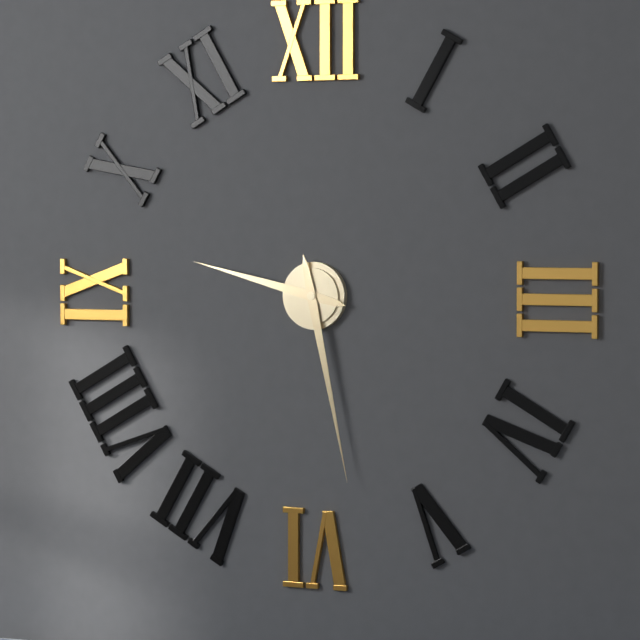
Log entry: 9:28
